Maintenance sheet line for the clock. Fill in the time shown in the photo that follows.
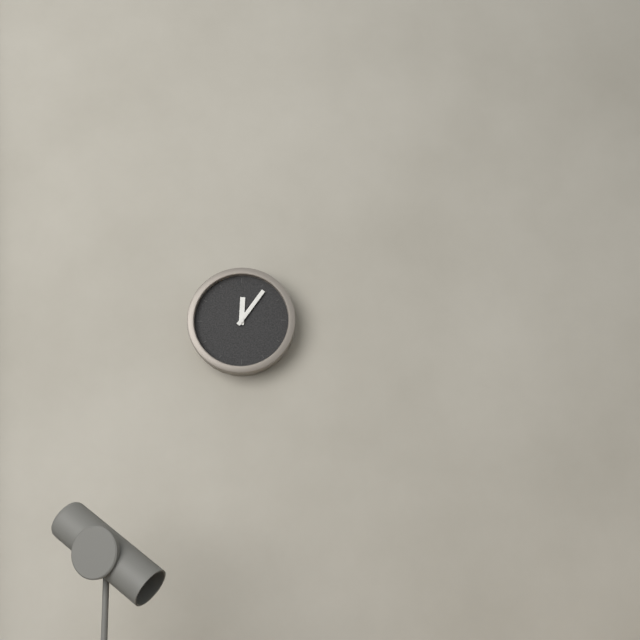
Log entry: 12:06
